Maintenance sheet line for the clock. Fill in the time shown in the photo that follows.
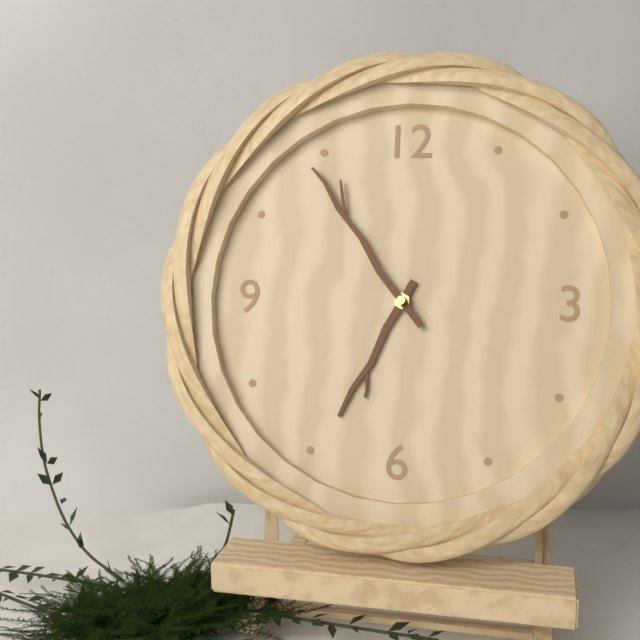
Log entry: 6:54
